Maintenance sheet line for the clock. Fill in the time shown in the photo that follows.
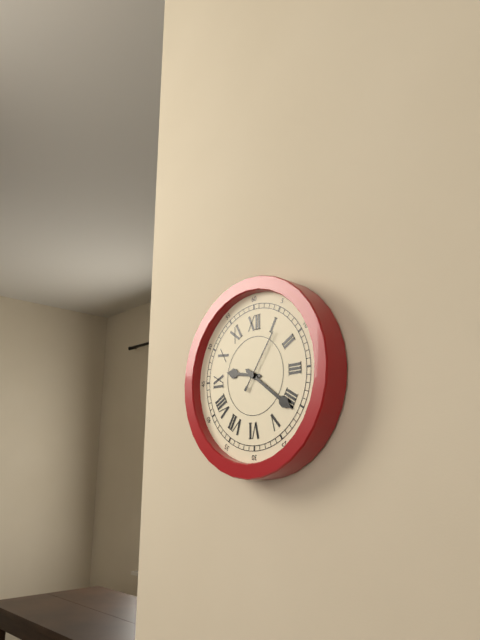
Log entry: 9:21:06
